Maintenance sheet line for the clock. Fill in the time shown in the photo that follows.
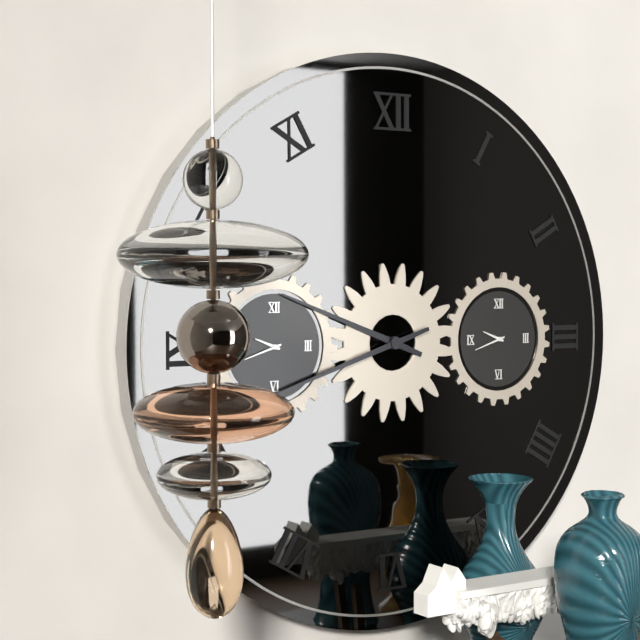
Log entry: 9:42
